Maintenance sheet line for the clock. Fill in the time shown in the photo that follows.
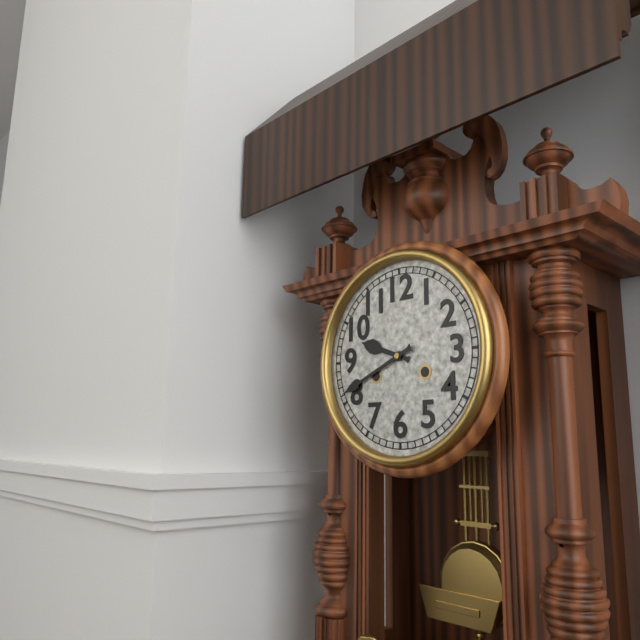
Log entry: 9:41
